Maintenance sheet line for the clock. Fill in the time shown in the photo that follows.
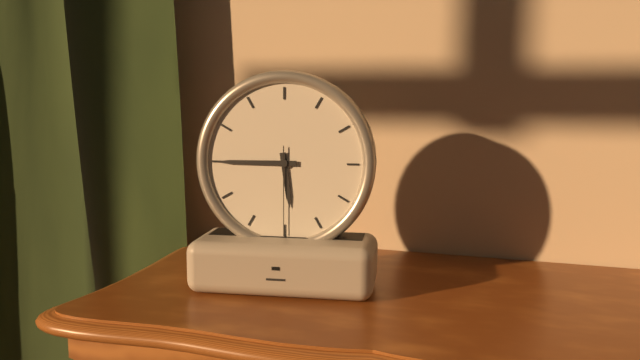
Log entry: 5:45:30
